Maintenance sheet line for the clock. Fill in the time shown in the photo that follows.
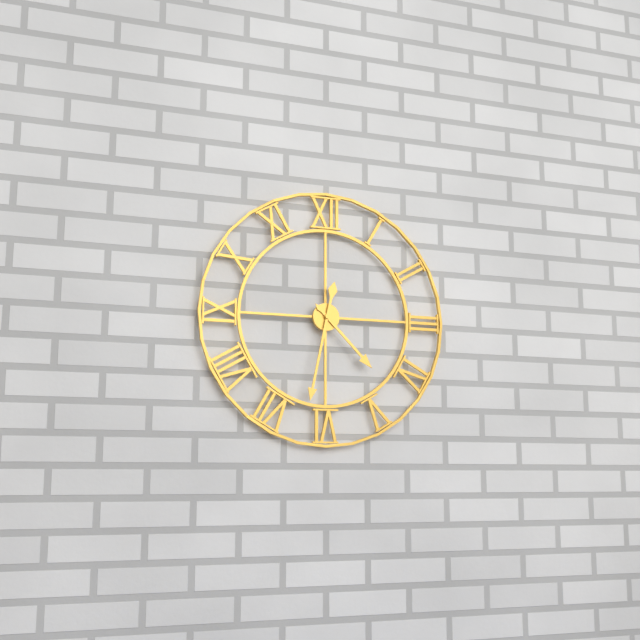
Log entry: 4:32
